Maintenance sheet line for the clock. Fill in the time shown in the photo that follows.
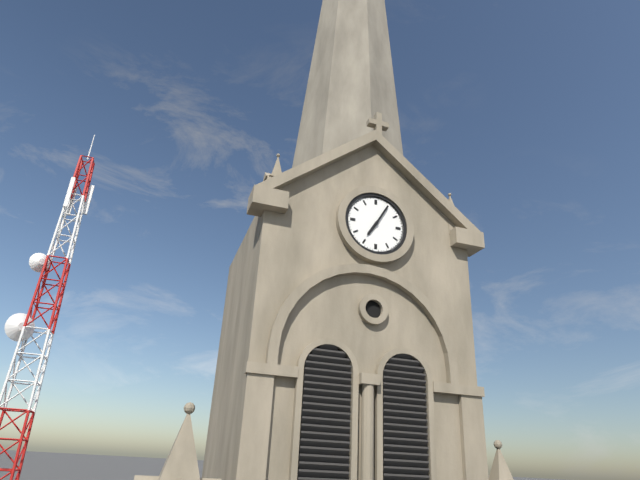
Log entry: 7:05
